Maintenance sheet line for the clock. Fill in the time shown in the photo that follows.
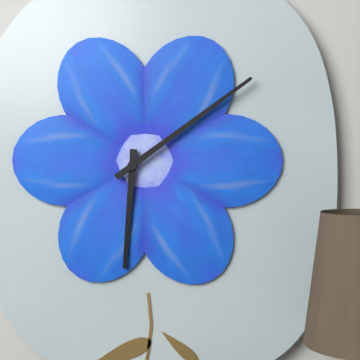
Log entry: 6:09
